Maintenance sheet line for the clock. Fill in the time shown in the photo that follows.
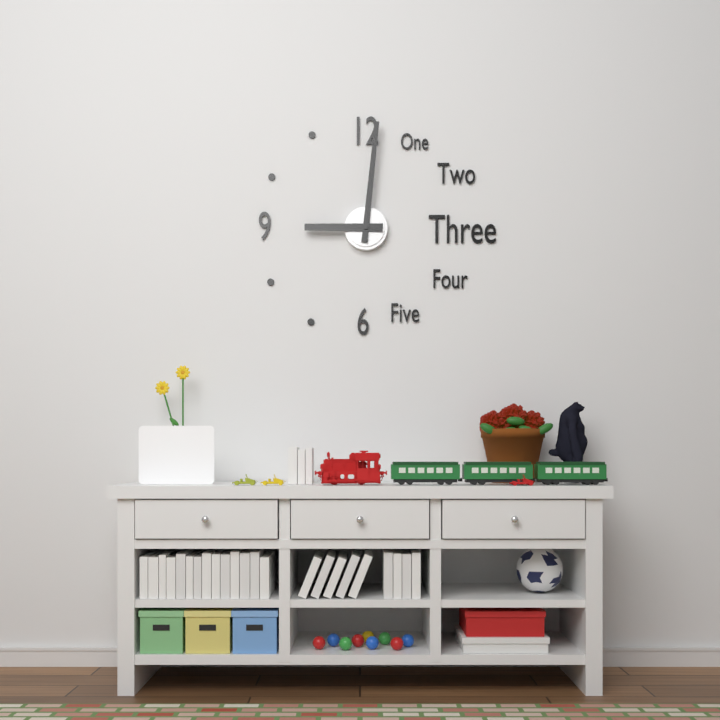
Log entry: 9:01
